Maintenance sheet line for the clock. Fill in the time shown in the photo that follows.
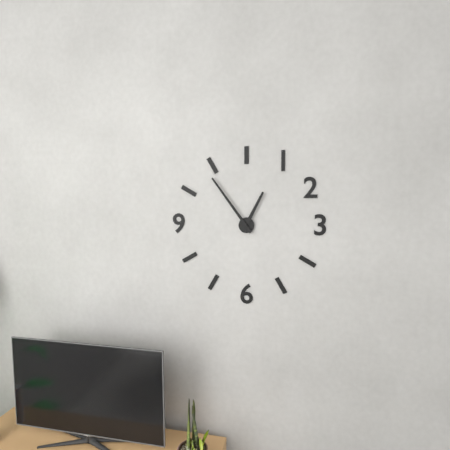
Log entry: 12:54
